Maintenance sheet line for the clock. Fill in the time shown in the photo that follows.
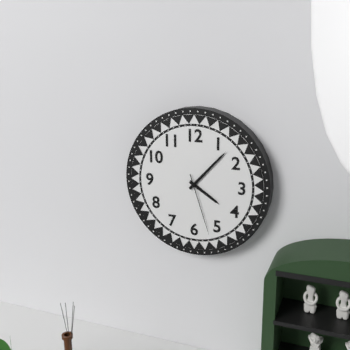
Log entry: 4:07:27
